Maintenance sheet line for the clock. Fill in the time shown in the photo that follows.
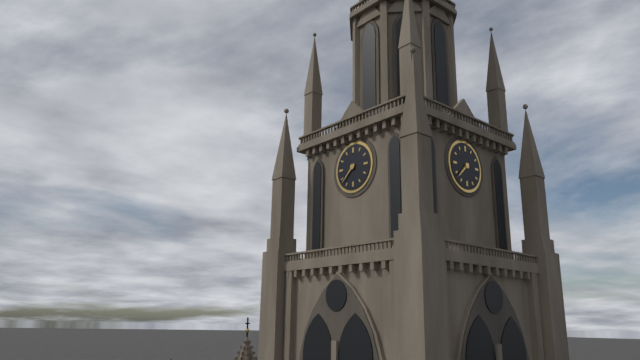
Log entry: 7:38
